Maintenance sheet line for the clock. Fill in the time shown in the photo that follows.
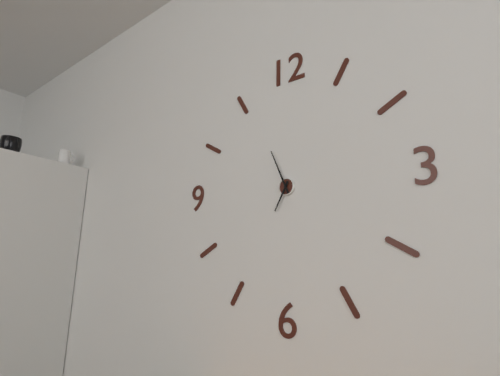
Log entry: 6:56
